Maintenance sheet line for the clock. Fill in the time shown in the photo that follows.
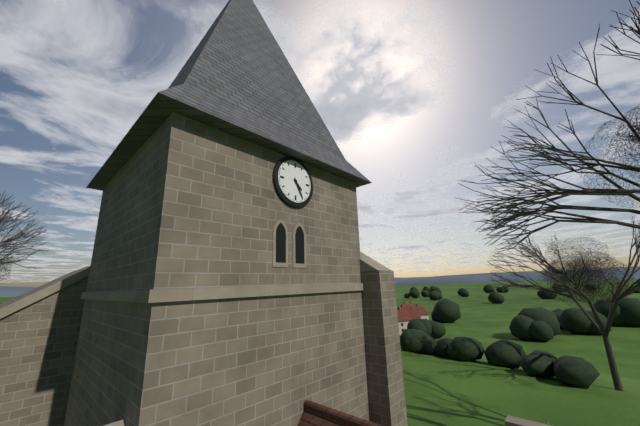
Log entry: 4:25
